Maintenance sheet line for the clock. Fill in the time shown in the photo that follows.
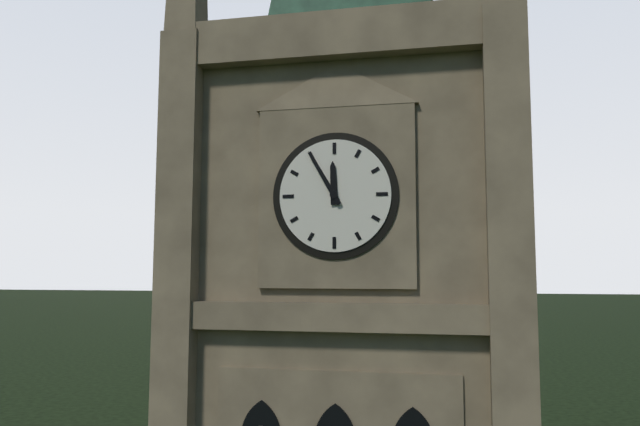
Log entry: 11:55
